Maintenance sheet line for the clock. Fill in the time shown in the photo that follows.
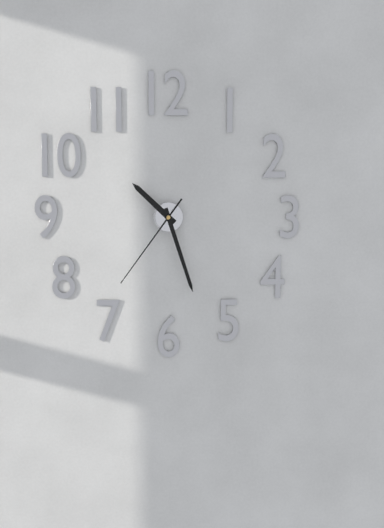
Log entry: 10:27:36
